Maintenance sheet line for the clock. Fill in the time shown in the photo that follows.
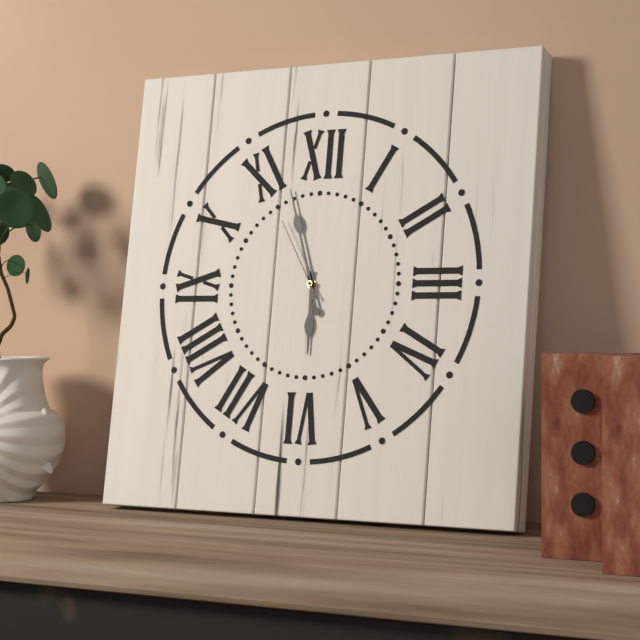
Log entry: 5:57:55
